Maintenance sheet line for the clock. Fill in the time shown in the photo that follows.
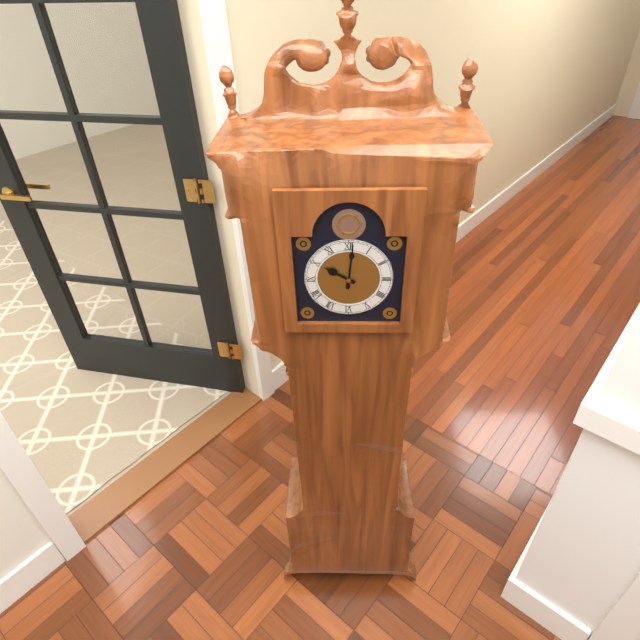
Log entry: 10:01
